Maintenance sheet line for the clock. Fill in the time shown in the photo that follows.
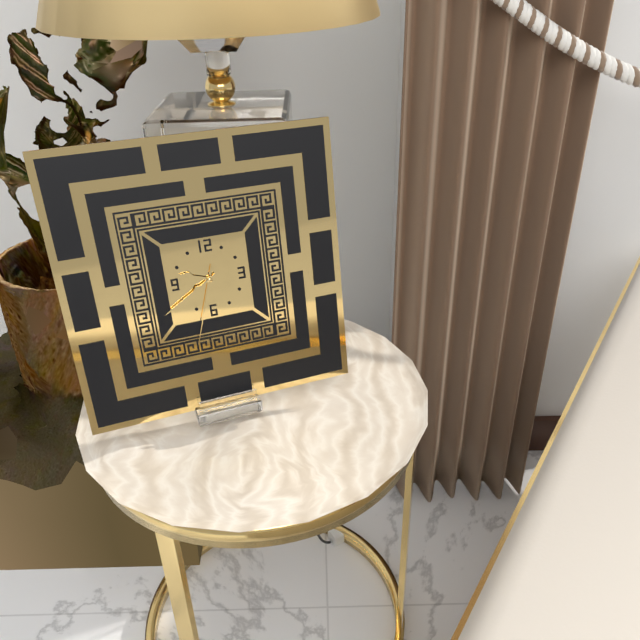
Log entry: 9:40:33
